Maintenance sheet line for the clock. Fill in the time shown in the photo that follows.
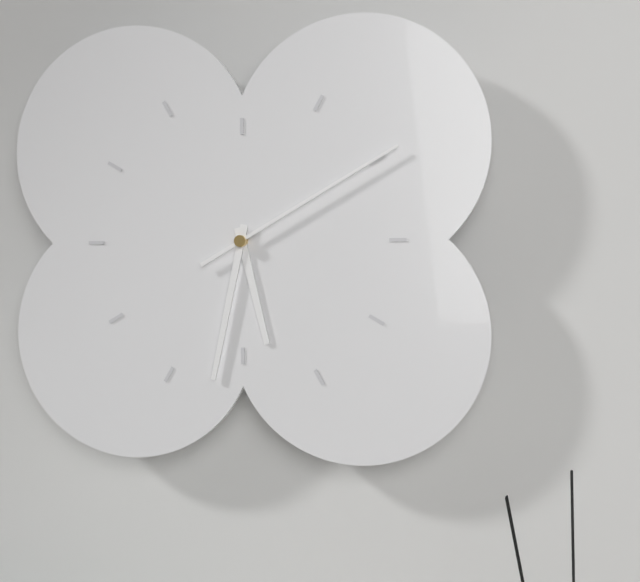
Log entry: 5:32:10
